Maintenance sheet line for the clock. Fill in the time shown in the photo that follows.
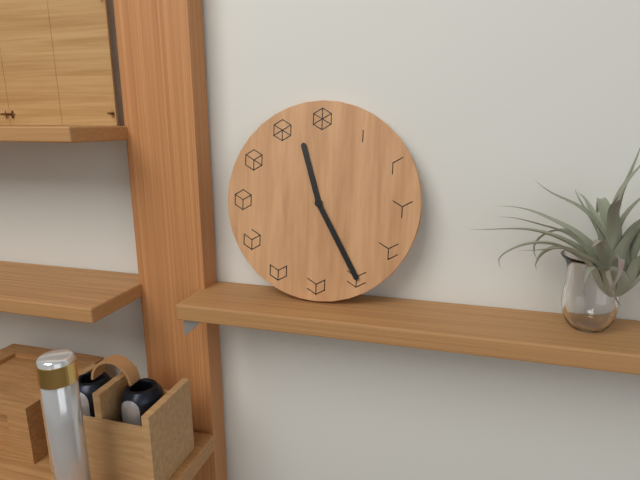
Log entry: 11:25
